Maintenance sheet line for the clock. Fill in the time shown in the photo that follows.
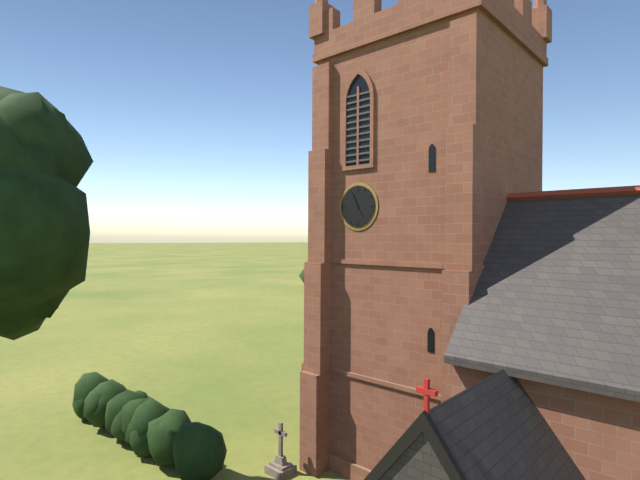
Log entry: 4:56
